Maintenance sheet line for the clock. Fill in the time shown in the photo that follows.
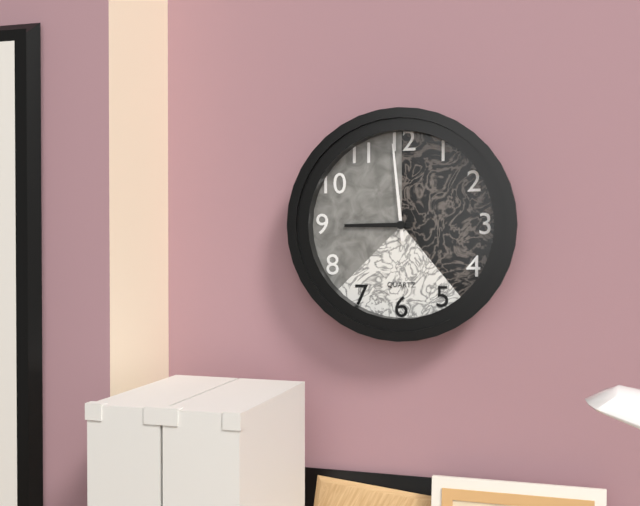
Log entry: 8:59
